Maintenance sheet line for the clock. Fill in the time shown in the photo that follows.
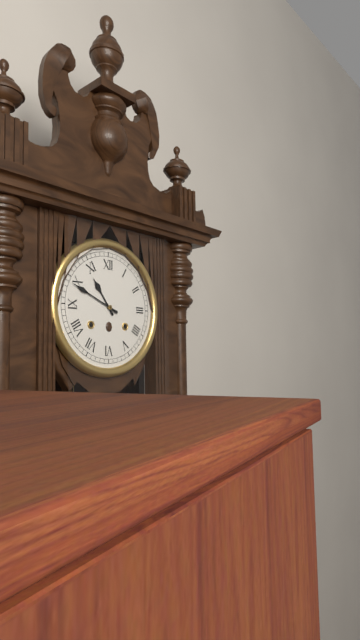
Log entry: 10:49
